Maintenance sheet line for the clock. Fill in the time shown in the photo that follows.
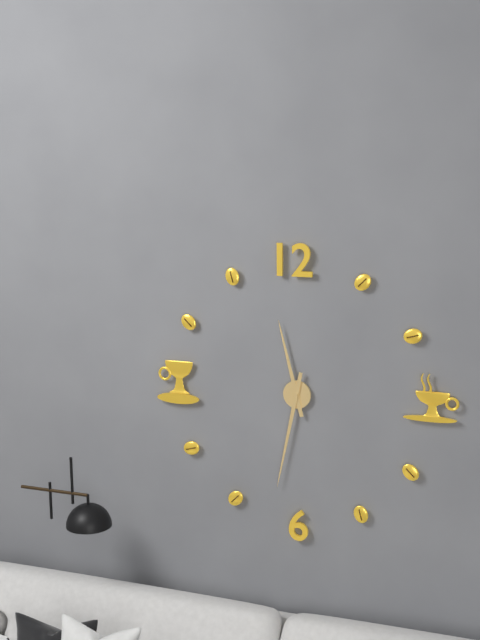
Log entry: 11:32
